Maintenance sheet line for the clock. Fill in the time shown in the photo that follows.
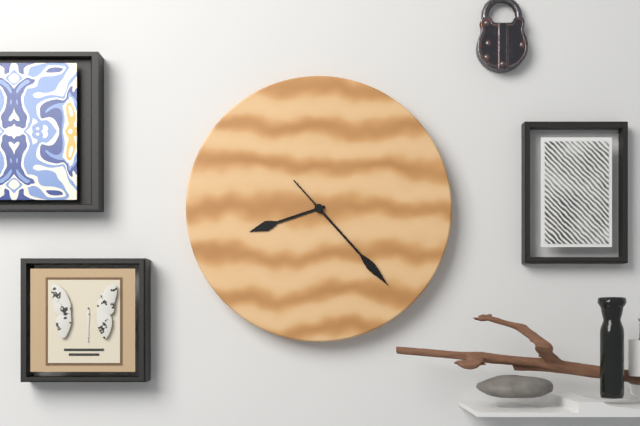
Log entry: 8:23:23
